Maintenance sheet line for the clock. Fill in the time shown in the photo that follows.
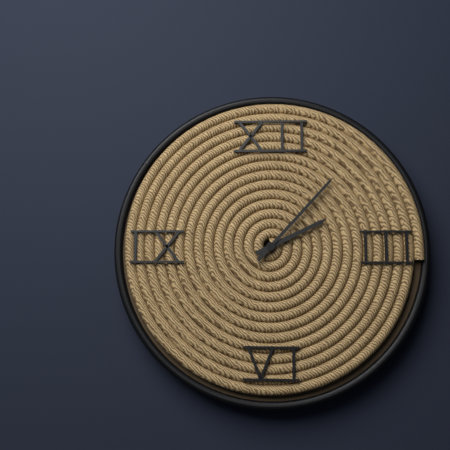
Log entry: 2:07
